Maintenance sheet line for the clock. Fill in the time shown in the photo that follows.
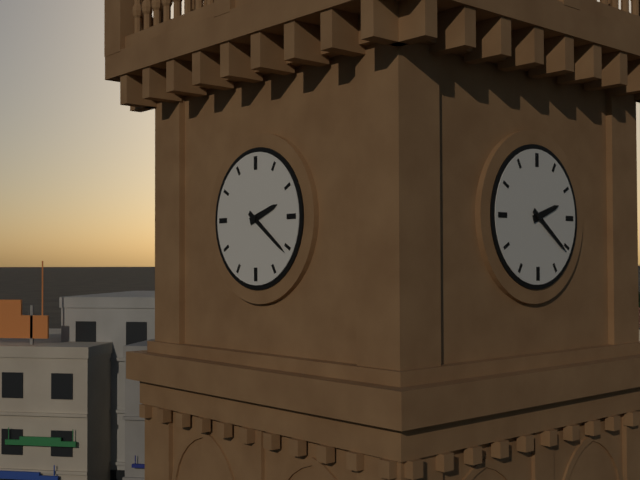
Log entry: 2:21
